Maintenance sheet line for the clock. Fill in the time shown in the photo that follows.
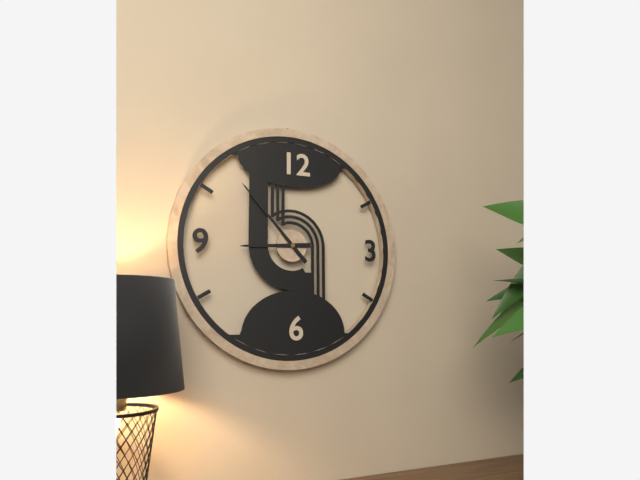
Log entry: 8:53
